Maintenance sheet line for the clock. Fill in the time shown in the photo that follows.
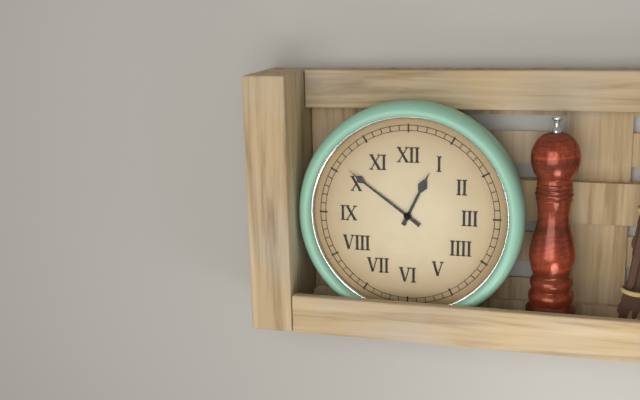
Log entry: 12:51
